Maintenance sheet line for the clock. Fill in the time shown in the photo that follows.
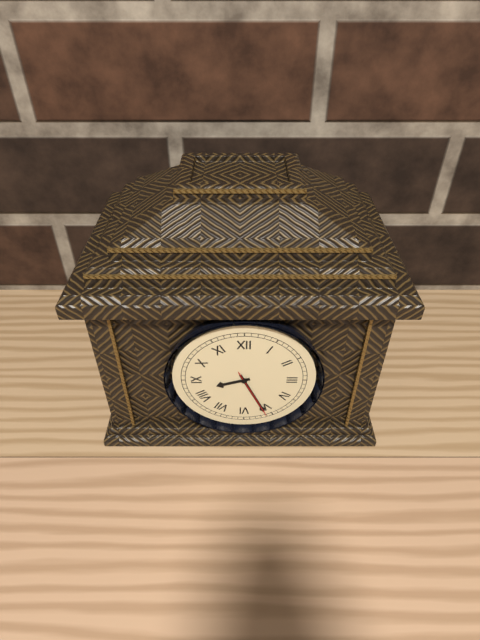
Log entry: 8:26:26
